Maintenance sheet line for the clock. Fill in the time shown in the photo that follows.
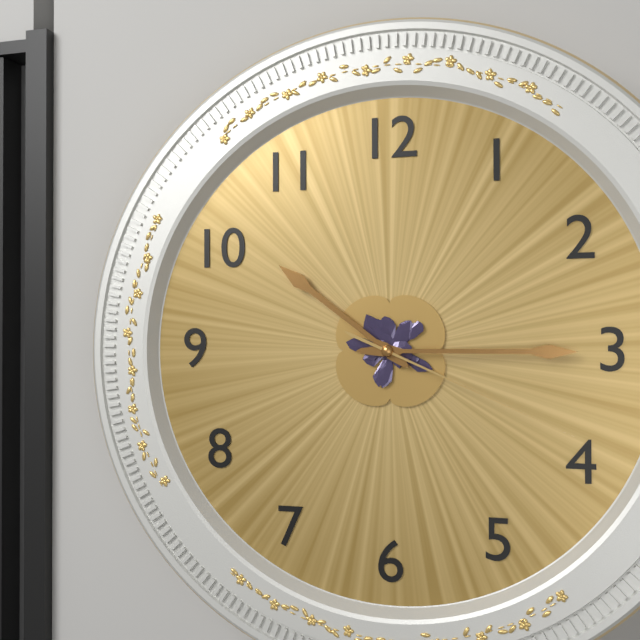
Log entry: 10:15:19
